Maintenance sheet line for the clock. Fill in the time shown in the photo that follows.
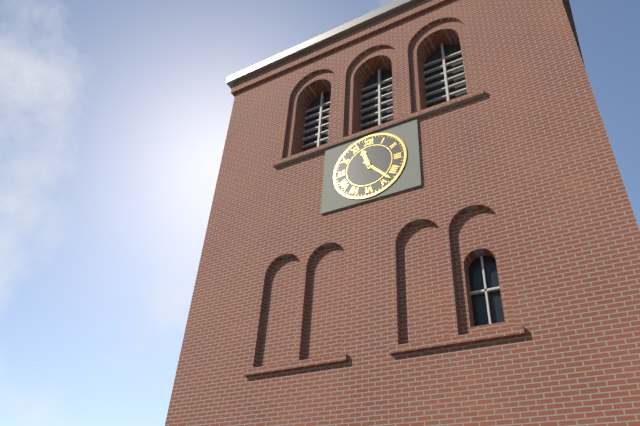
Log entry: 11:23
